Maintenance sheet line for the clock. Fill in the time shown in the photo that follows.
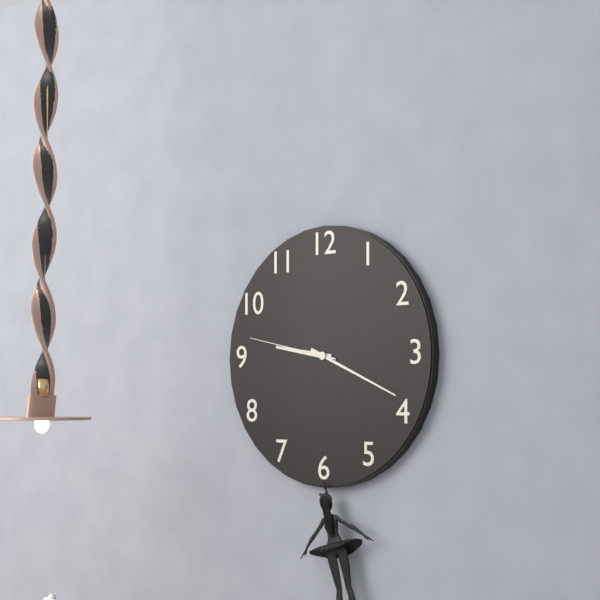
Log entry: 9:19:47
